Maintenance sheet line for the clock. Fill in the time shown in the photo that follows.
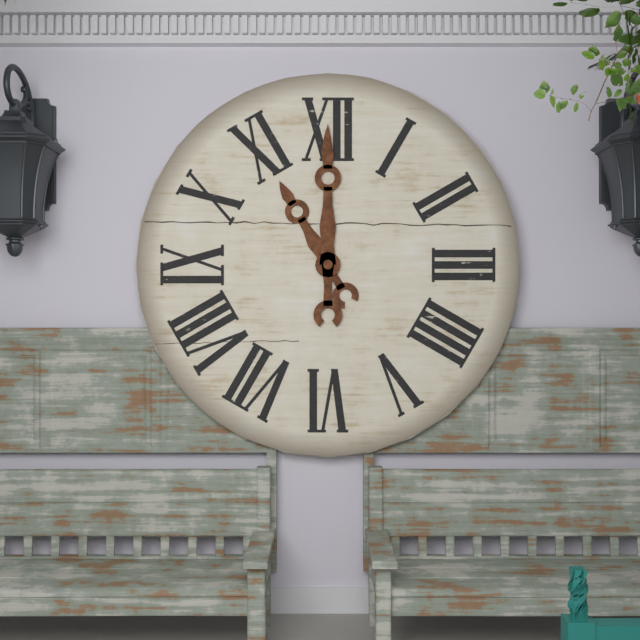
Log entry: 11:00
